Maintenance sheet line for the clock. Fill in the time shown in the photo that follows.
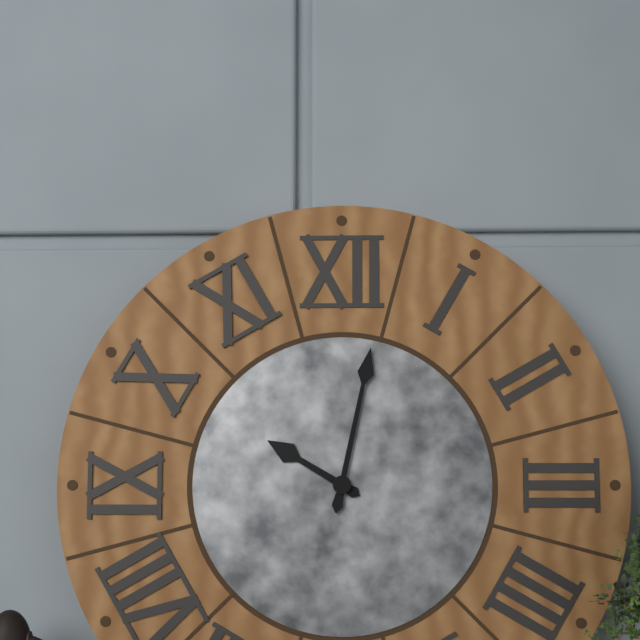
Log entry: 10:02
